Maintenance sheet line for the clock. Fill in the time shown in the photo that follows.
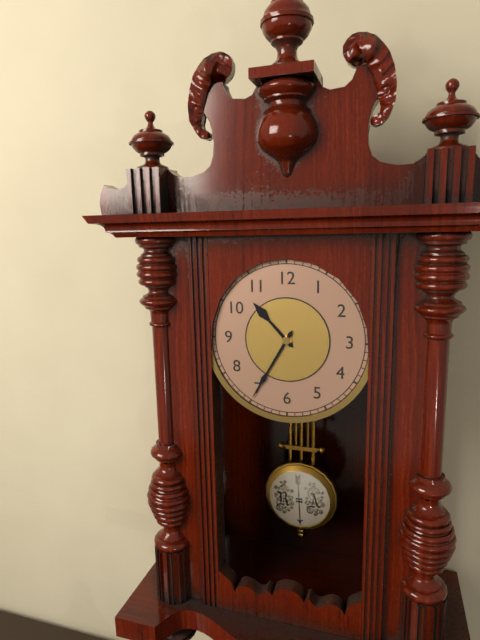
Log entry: 10:35
